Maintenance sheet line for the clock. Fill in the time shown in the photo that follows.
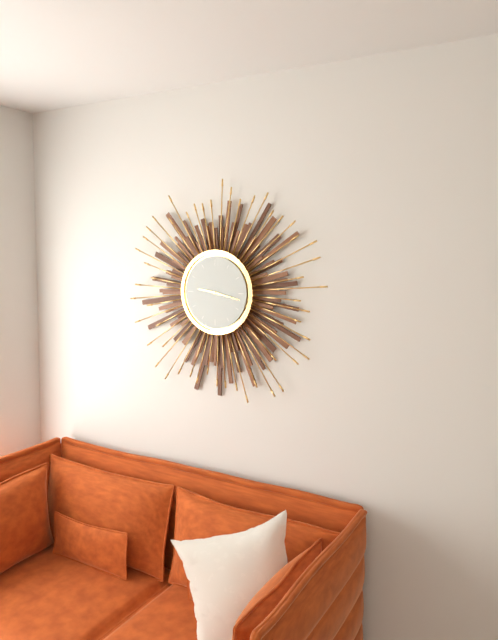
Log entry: 9:17
